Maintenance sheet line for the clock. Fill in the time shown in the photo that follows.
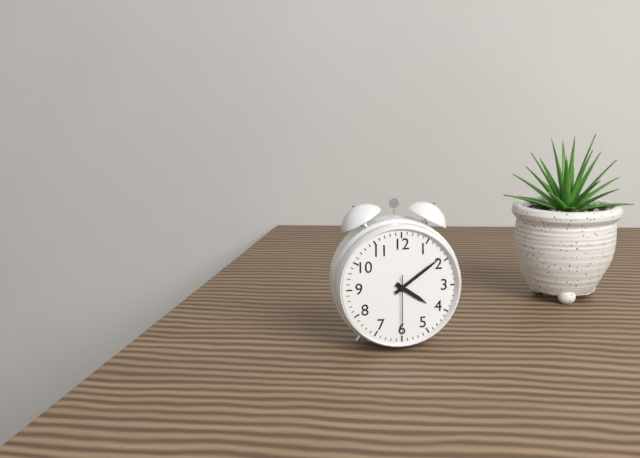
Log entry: 4:09:30
